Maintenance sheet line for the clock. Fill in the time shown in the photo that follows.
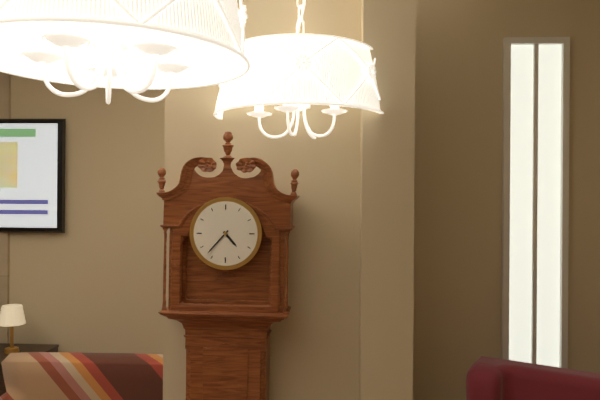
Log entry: 4:37
